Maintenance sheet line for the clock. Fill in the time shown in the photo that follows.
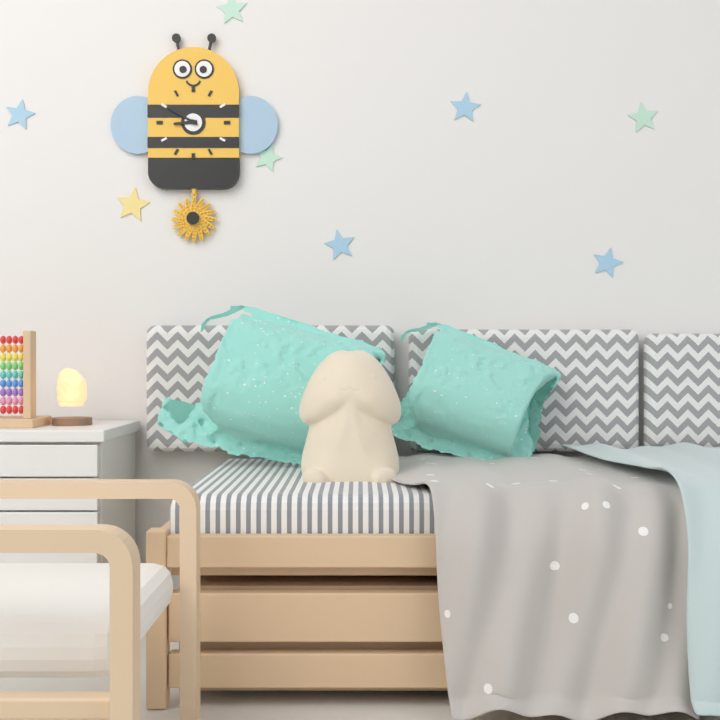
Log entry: 8:50
